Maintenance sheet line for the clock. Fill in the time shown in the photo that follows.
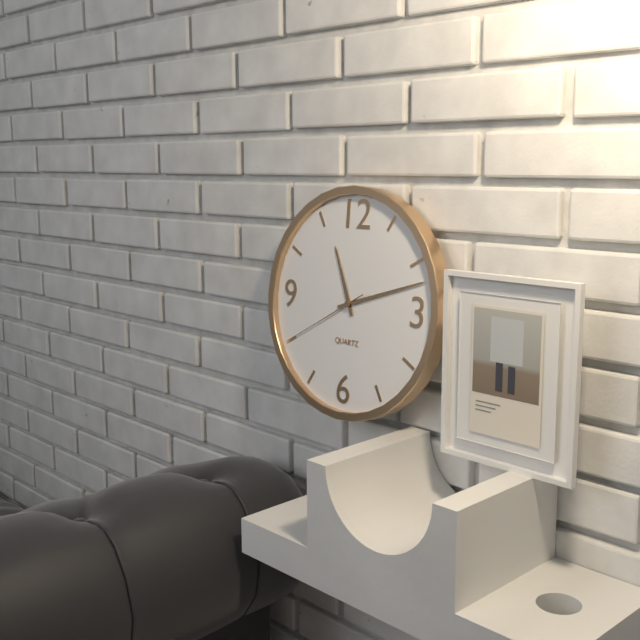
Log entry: 11:12:40
